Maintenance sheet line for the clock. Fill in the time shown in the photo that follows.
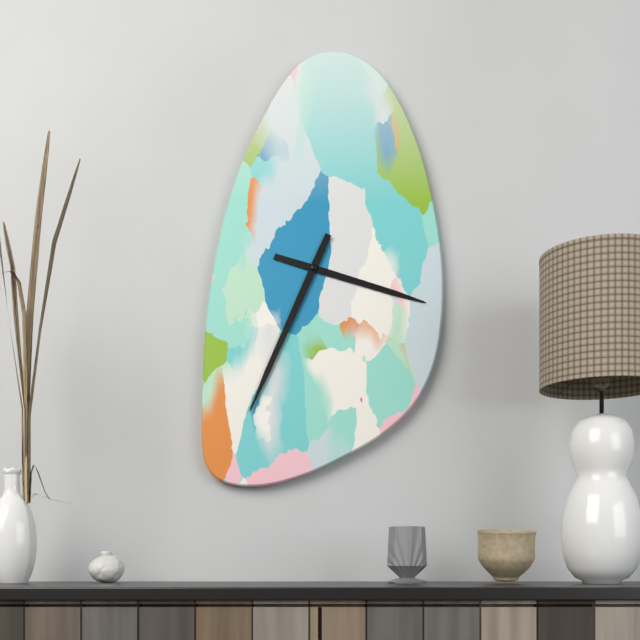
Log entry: 3:34
